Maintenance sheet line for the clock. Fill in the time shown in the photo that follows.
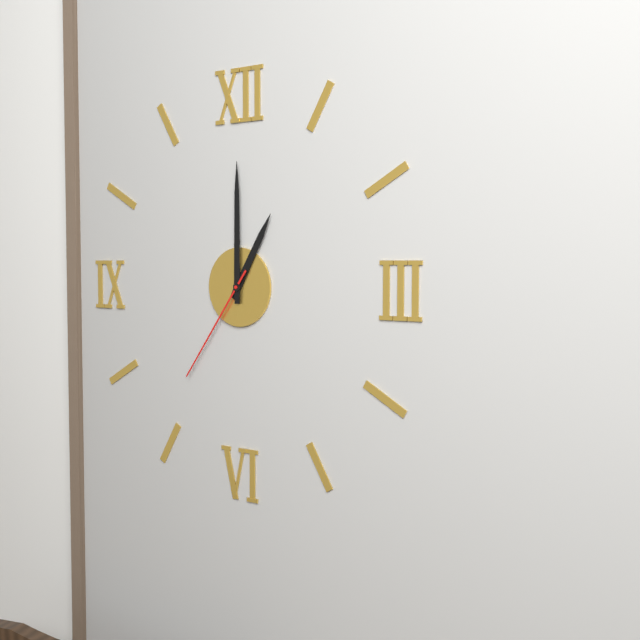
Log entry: 1:00:36
